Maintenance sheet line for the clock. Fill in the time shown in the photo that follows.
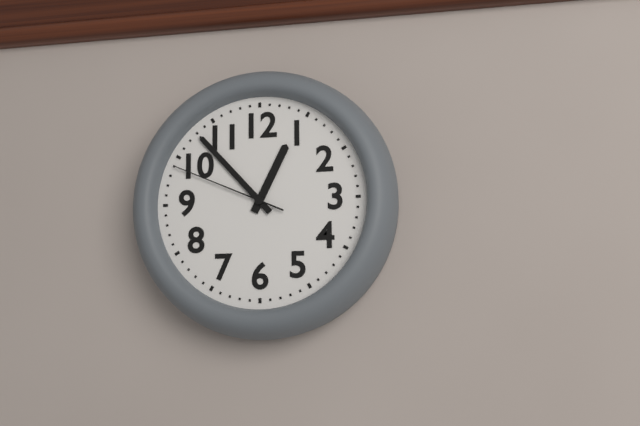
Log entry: 12:53:49
